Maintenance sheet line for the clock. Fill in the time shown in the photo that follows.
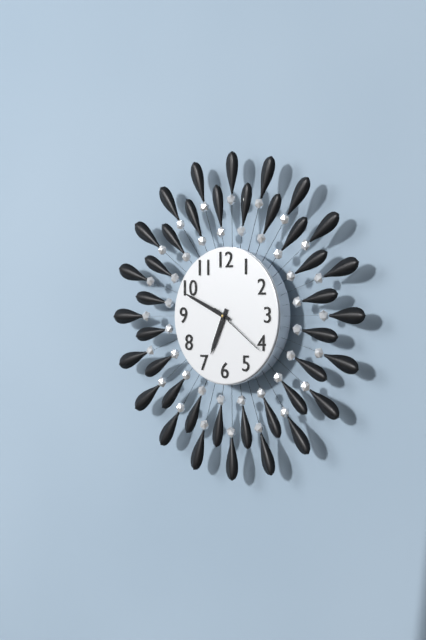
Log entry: 6:49
